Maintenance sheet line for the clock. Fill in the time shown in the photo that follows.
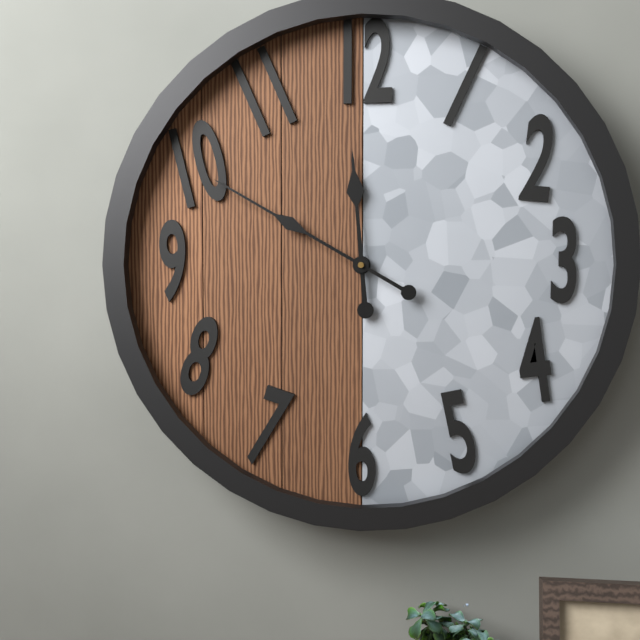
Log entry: 11:50
